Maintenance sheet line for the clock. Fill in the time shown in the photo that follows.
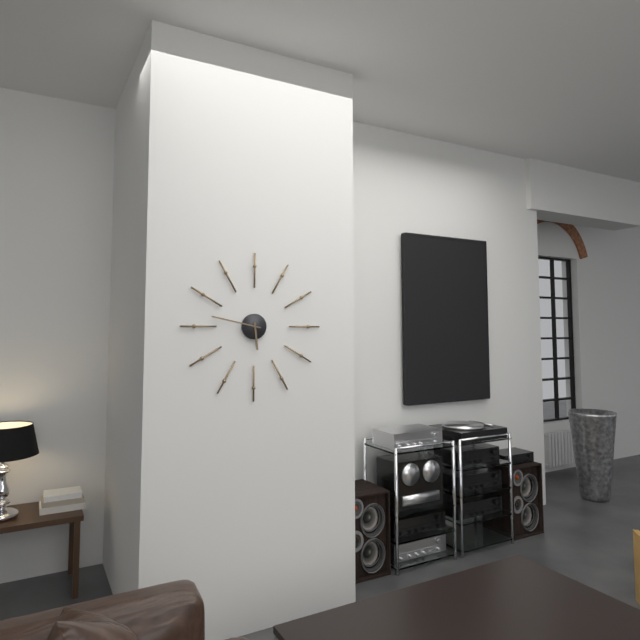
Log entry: 5:47
